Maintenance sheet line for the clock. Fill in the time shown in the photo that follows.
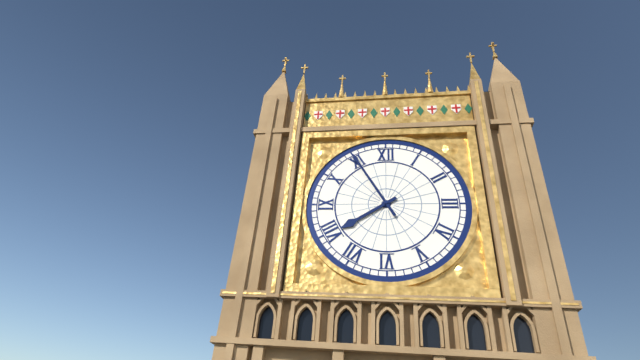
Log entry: 7:55
